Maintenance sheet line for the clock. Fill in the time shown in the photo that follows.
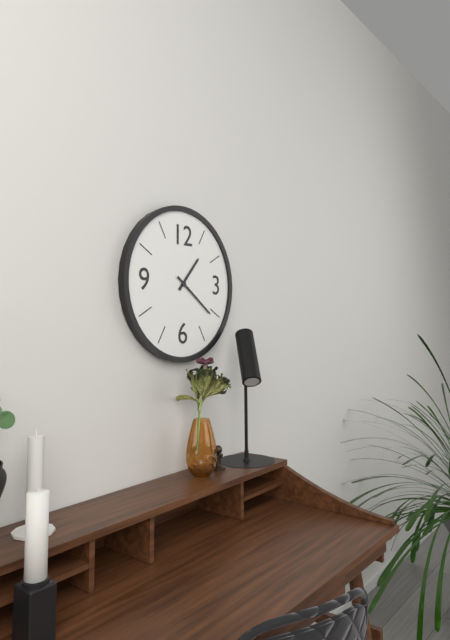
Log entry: 1:21
